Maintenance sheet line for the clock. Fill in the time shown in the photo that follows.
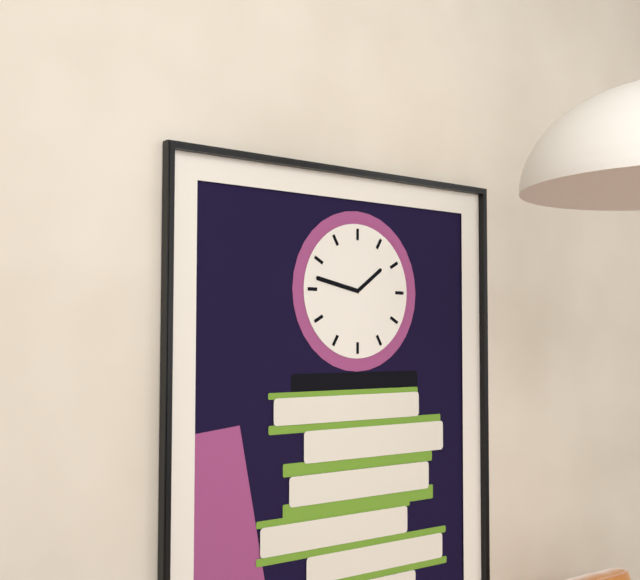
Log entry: 1:47
